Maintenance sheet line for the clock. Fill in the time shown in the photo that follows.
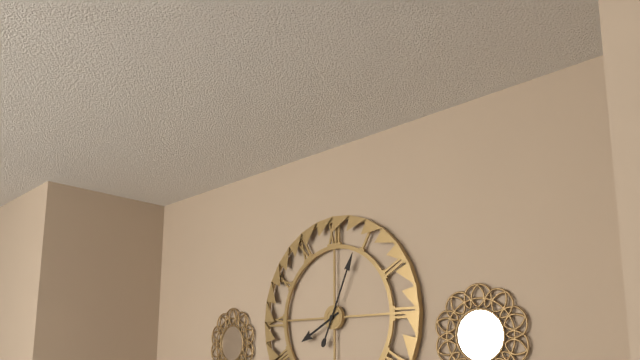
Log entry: 8:04
